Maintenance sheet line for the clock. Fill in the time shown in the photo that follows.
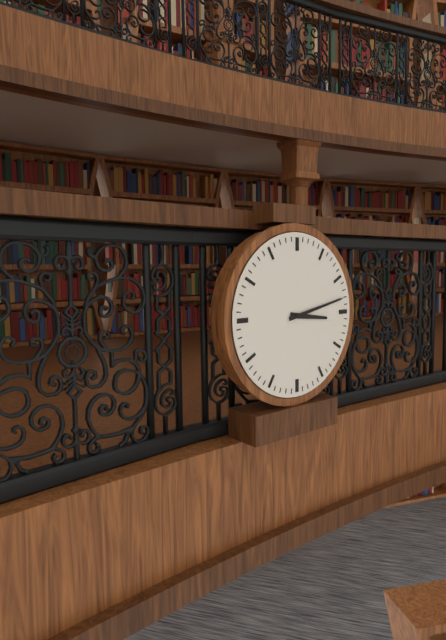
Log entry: 3:13
